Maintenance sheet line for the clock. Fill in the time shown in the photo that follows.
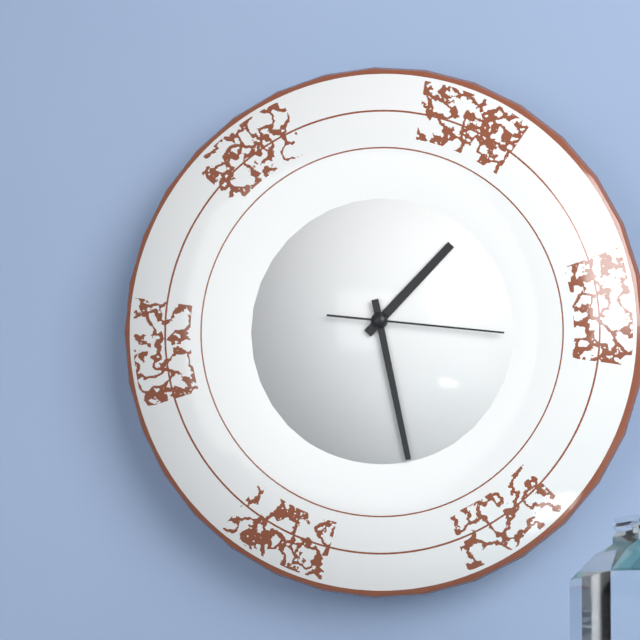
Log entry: 1:28:16
